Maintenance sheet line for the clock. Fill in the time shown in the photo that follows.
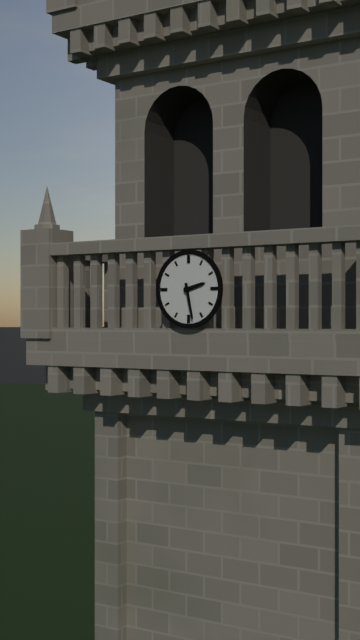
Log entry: 2:28
